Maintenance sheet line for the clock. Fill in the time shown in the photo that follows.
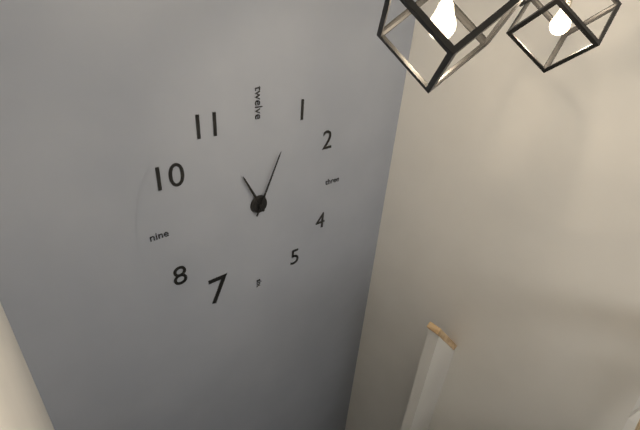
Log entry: 11:04
